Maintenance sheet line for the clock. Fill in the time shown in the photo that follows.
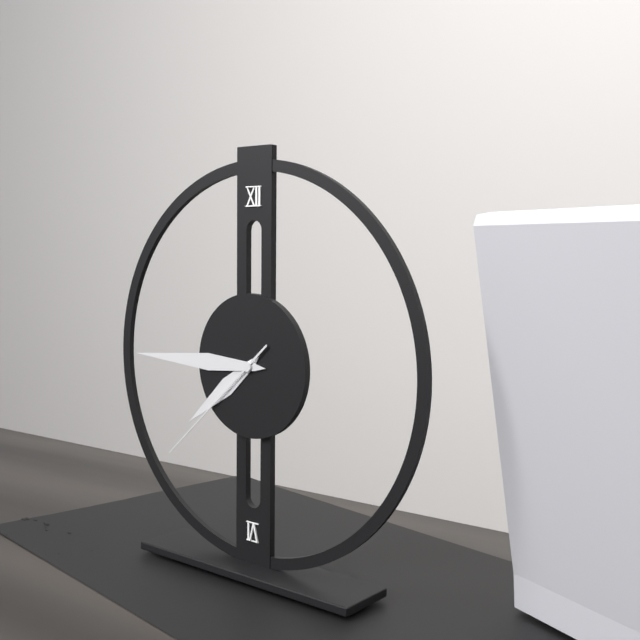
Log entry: 7:45:38
